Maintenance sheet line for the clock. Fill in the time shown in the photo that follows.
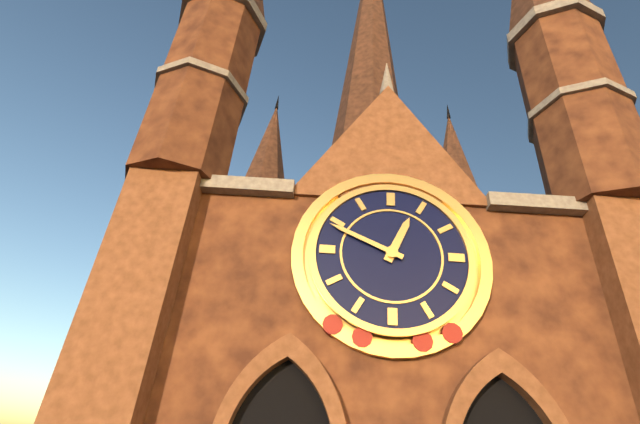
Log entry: 12:49
